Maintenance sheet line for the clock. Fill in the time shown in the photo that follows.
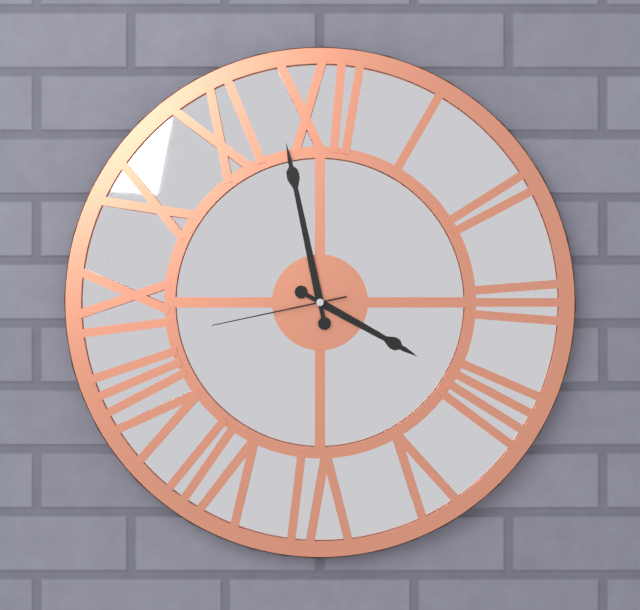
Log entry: 3:58:43
